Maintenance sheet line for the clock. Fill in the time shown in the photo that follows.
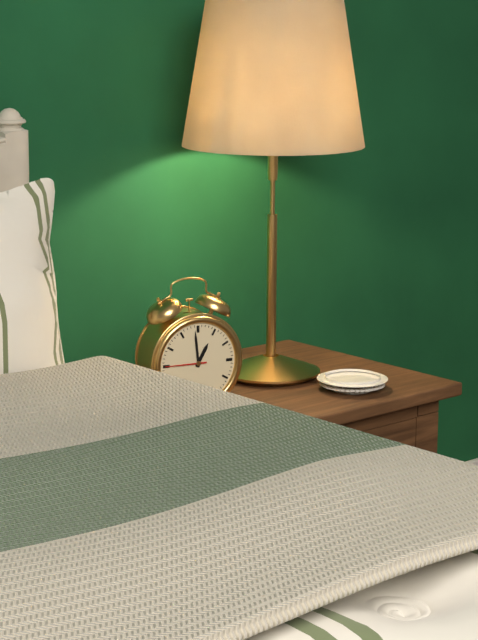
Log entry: 12:59
